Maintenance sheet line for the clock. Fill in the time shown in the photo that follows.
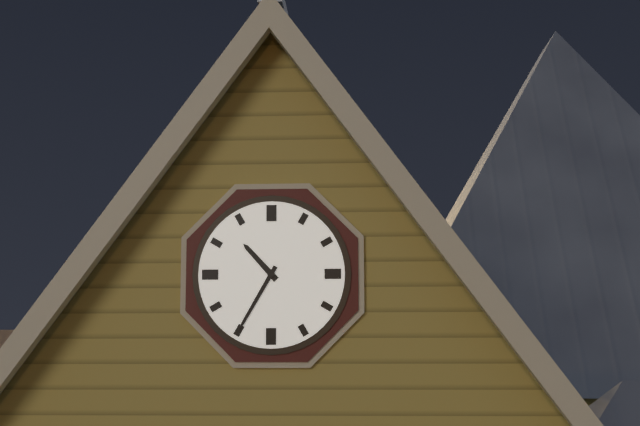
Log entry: 10:35
